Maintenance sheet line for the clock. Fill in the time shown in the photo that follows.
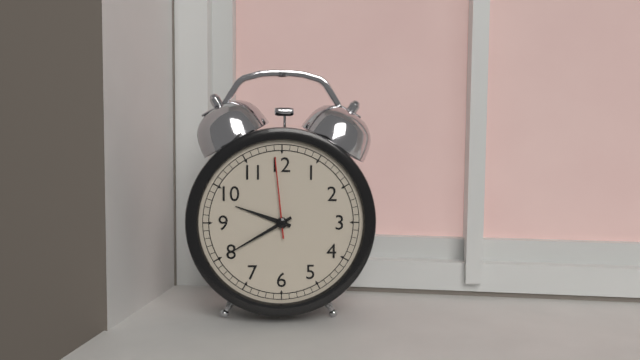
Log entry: 9:40:59
